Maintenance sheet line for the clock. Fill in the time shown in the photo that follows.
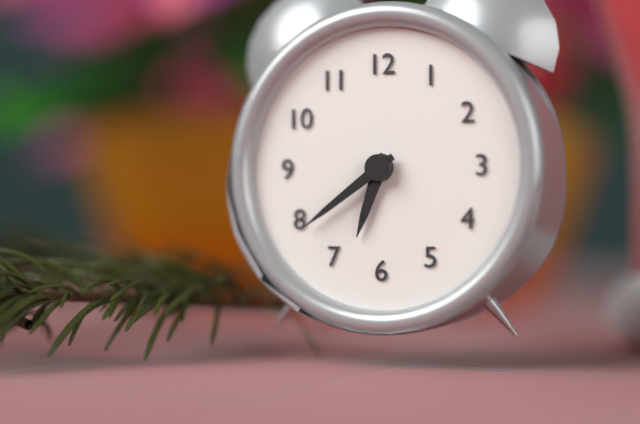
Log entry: 6:39
